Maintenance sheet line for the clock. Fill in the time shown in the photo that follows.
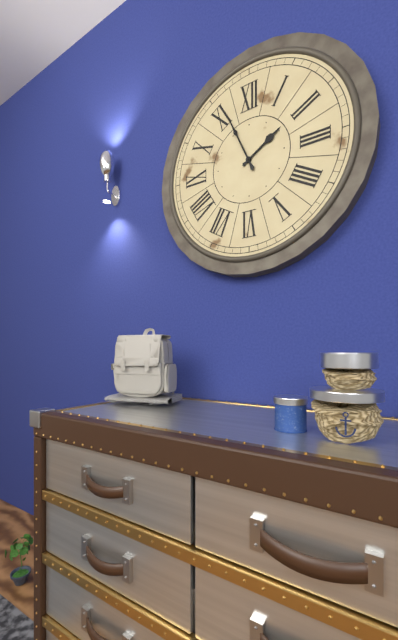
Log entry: 1:56
